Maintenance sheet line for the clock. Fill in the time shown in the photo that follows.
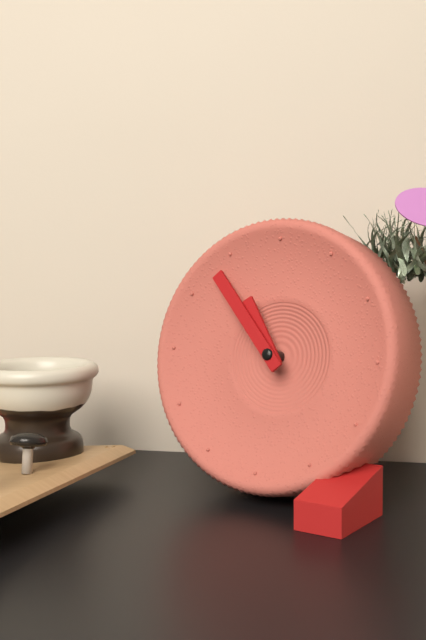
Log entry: 10:53
